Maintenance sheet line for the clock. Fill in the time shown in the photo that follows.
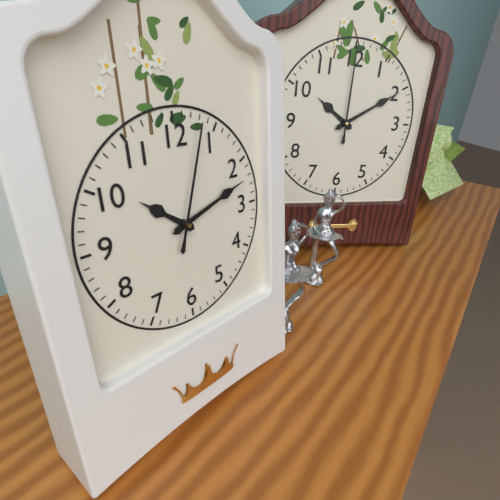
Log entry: 10:12:03
